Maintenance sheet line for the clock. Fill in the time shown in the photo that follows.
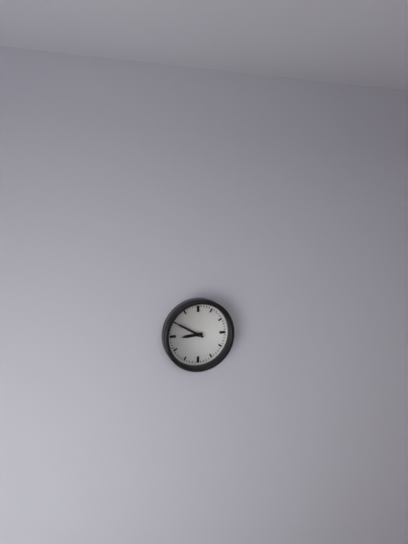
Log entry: 8:50
